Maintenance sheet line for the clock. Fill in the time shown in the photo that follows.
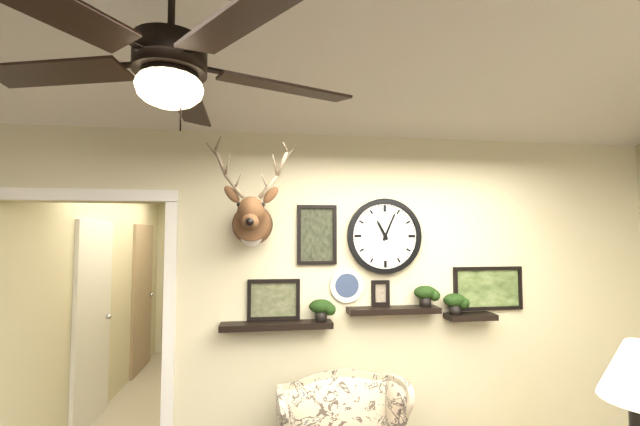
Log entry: 11:04
